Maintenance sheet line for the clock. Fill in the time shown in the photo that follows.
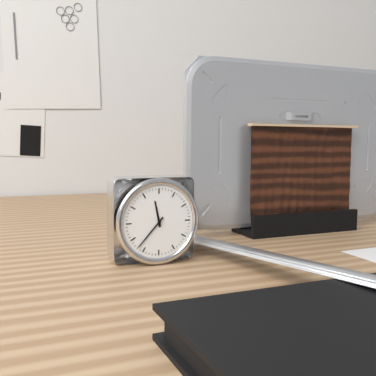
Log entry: 11:37
